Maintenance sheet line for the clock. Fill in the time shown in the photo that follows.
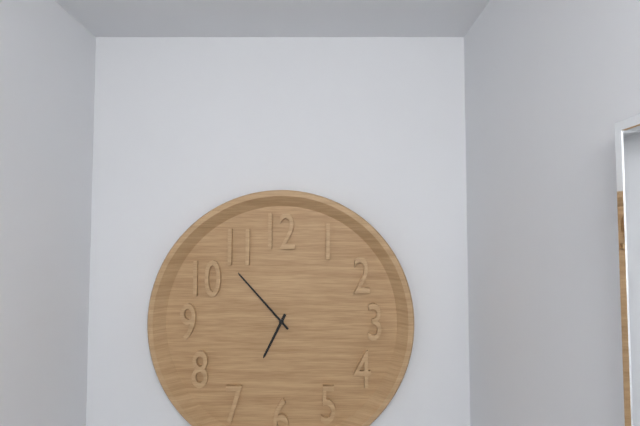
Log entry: 6:53
